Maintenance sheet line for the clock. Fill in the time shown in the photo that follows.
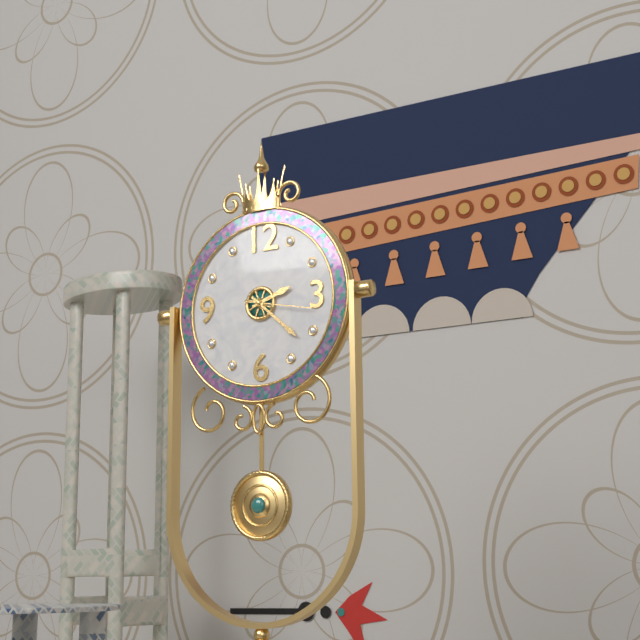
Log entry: 2:22:17
